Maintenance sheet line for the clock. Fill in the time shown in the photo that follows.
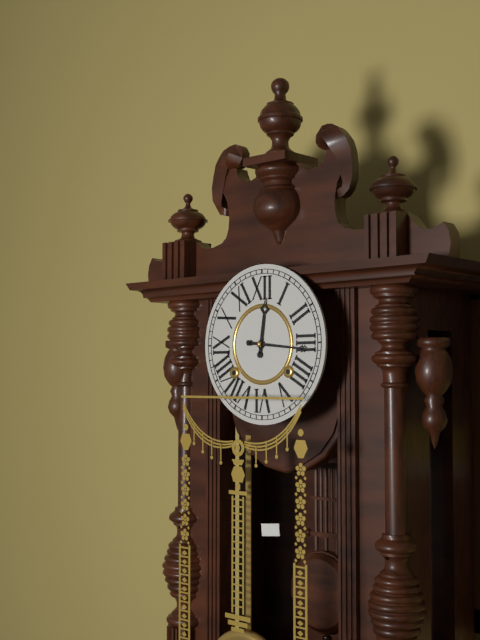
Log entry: 12:16
